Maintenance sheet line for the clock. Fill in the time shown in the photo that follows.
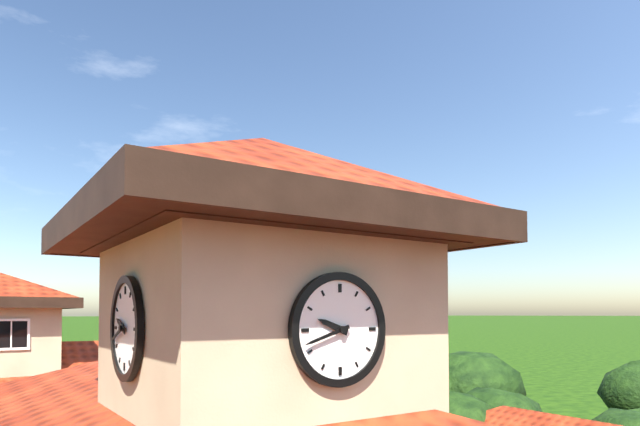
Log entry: 9:42
